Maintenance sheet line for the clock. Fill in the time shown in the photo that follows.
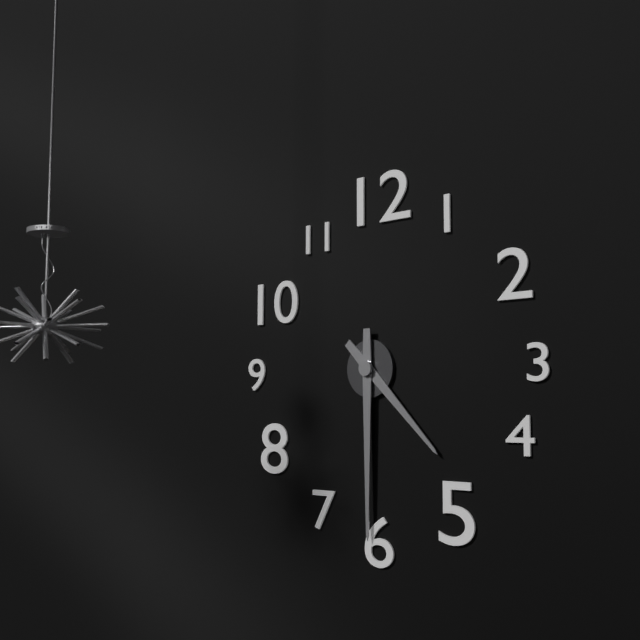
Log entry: 4:30
